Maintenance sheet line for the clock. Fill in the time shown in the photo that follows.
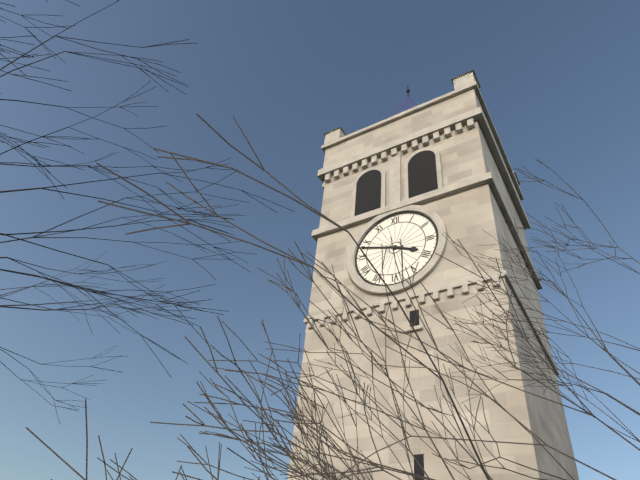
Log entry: 3:48
